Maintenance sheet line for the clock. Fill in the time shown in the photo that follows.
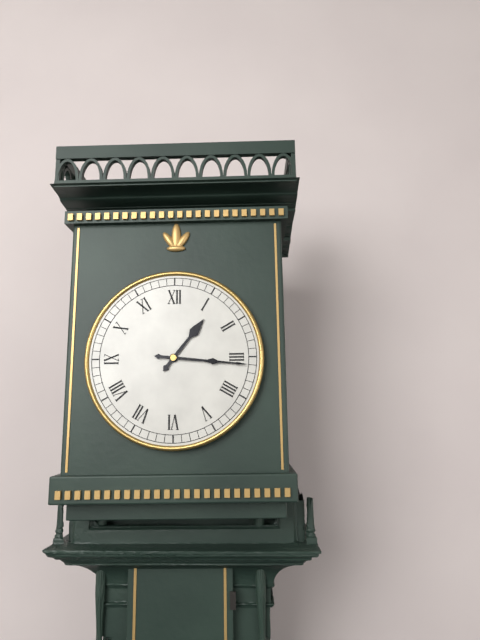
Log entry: 1:16
